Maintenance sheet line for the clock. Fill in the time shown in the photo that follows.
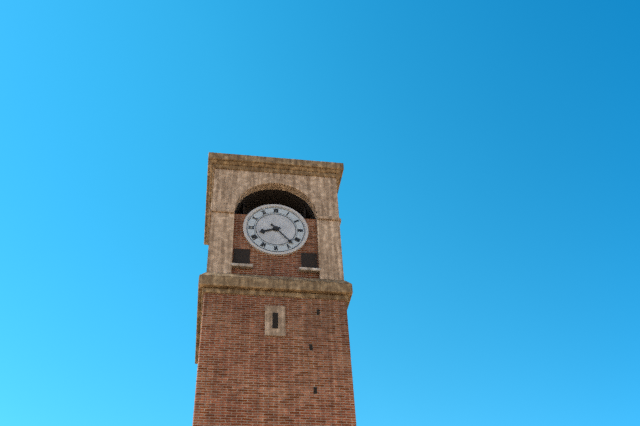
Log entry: 8:23
